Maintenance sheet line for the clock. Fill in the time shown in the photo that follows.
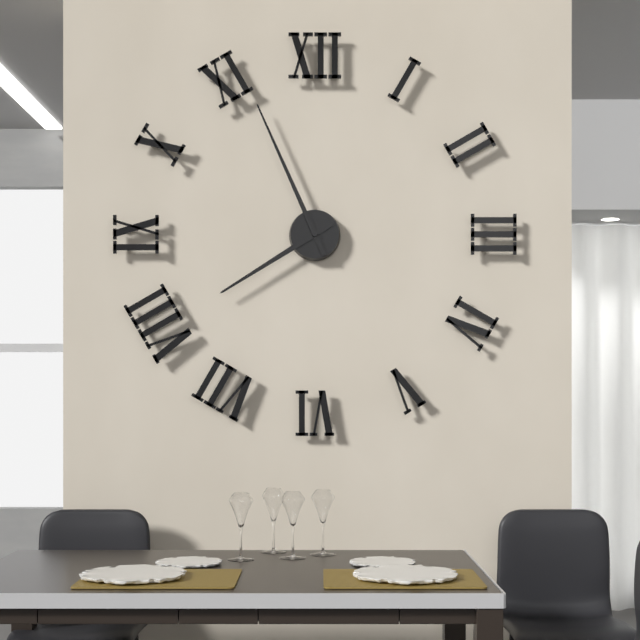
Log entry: 7:56
